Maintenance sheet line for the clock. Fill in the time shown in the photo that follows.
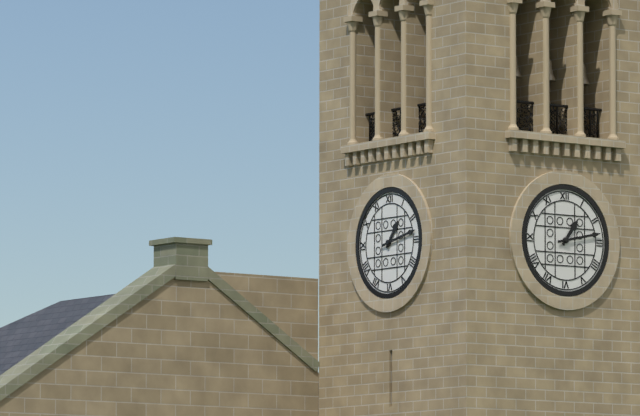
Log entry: 1:13
